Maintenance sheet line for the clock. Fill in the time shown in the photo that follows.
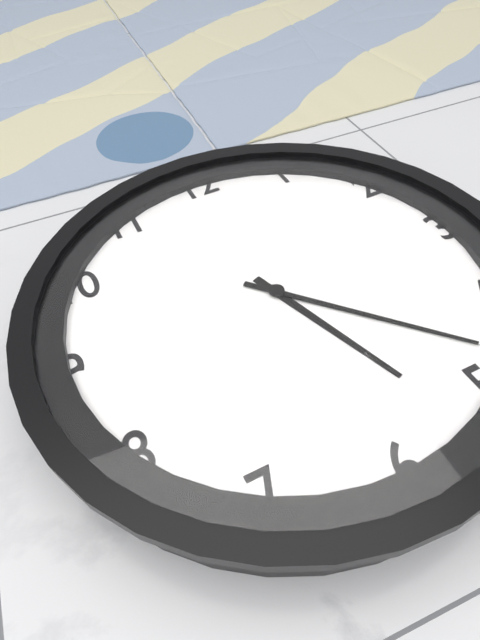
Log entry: 5:23
